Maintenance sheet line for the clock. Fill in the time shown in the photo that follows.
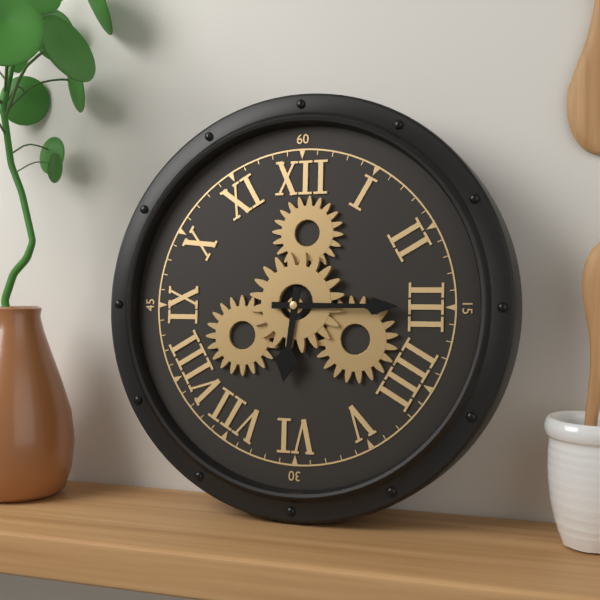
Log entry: 6:15
